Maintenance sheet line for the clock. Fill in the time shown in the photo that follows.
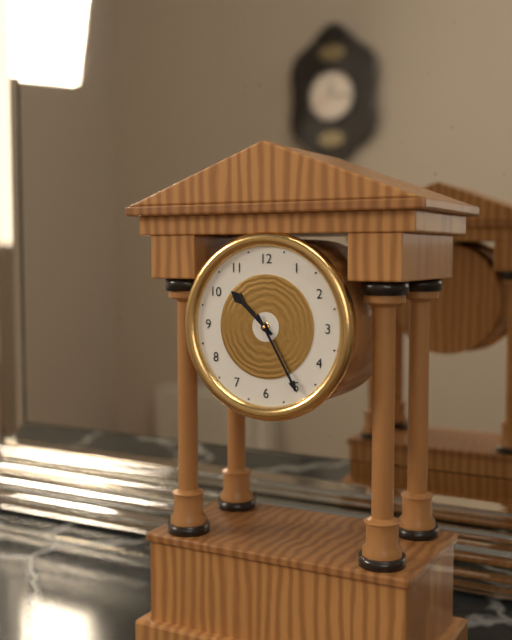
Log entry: 10:25
